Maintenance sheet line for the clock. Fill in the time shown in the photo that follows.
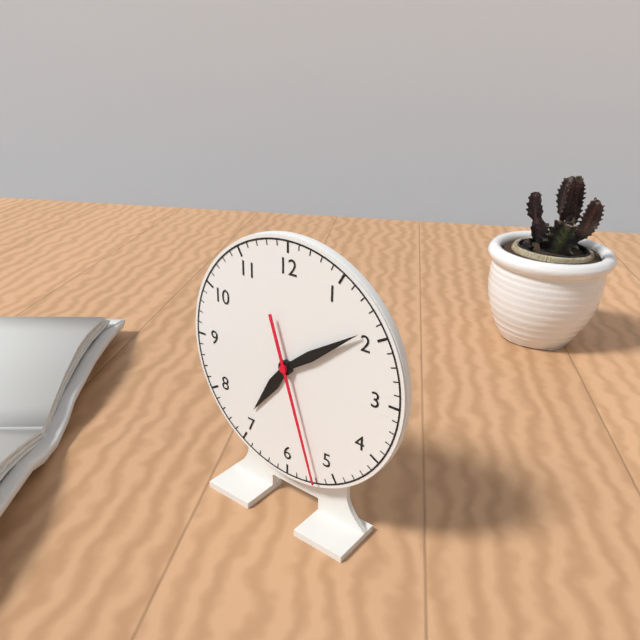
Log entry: 7:09:27
